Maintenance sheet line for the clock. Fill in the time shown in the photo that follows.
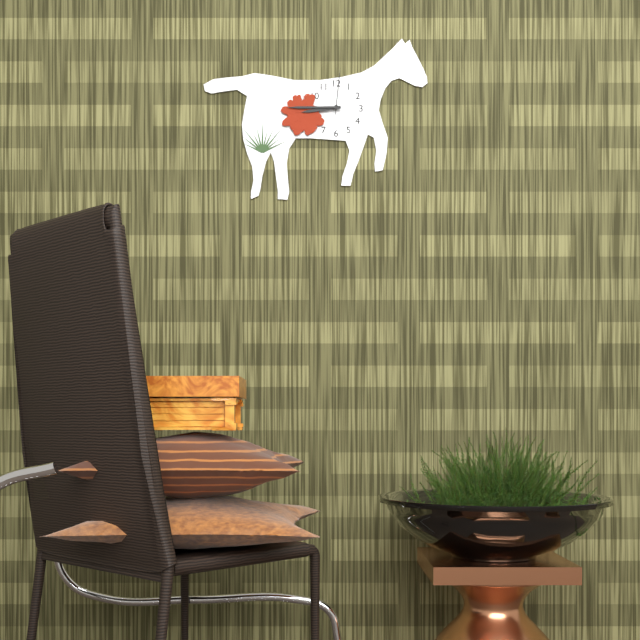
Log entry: 8:45:01
